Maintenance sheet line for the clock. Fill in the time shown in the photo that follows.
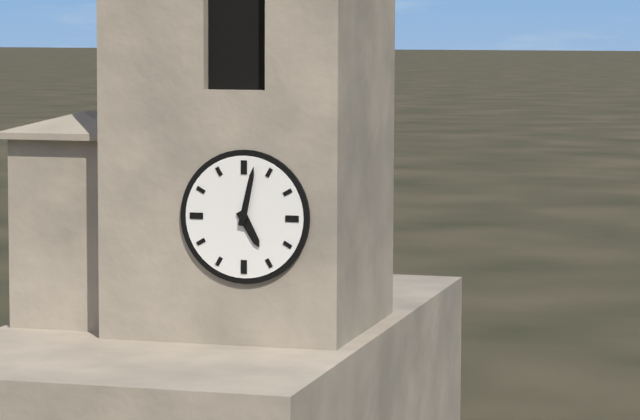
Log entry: 5:02
